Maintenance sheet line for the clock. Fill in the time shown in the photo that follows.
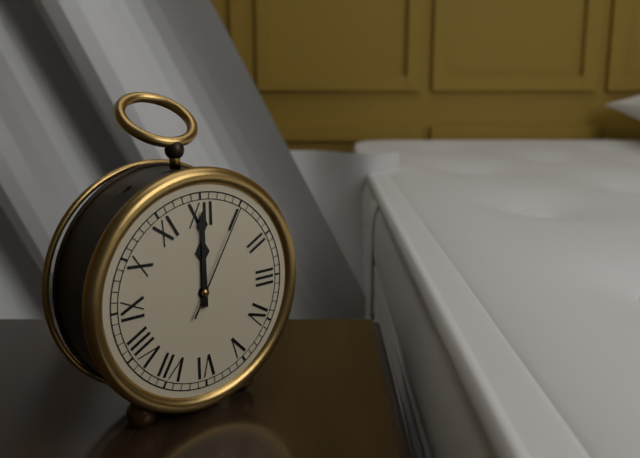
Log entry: 12:00:05
